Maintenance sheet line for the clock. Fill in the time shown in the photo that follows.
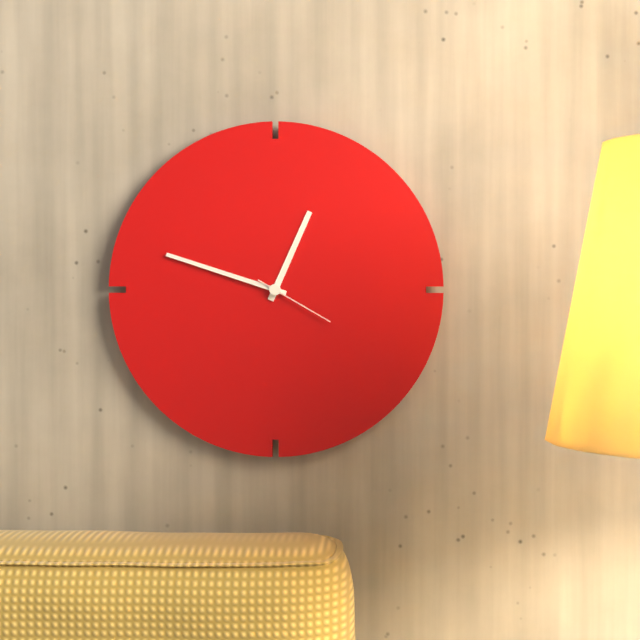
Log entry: 12:48:20
